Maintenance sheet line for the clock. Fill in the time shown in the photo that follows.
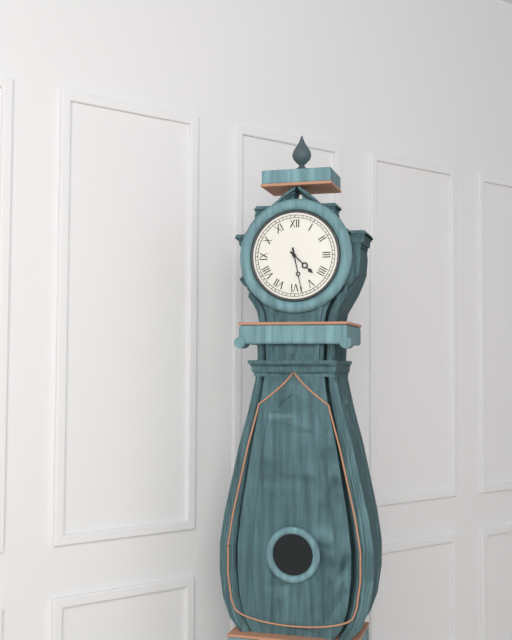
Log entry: 4:28
